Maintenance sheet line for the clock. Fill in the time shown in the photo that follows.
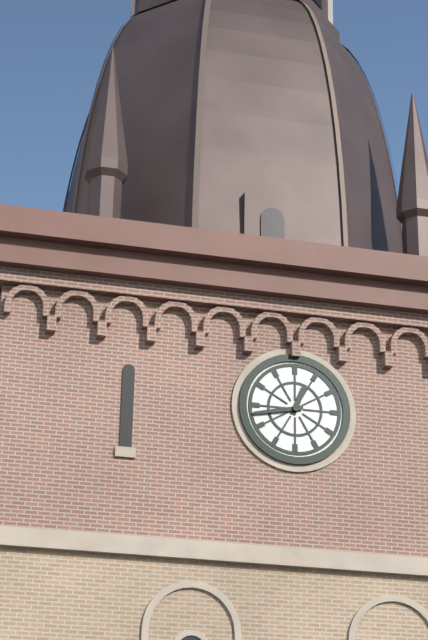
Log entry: 12:43
